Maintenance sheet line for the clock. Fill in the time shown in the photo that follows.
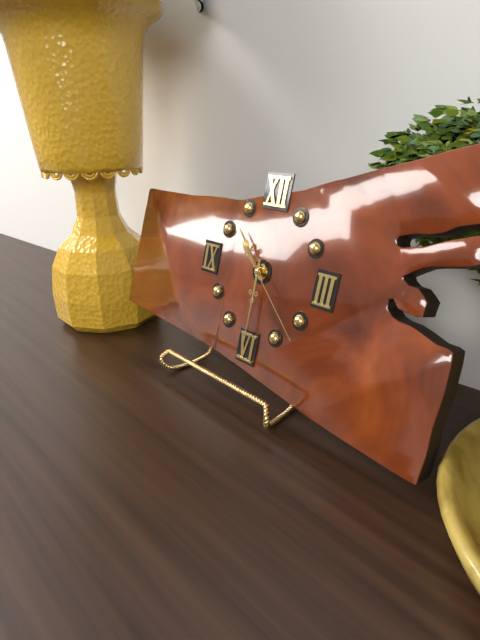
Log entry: 10:30:22
